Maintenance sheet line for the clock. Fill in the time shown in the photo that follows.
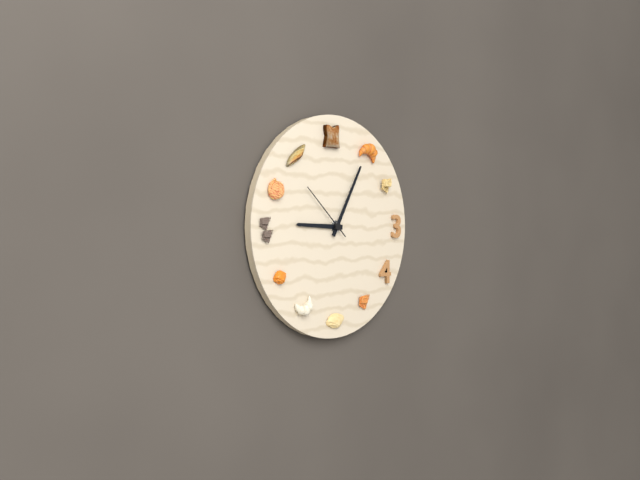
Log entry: 9:05:52
